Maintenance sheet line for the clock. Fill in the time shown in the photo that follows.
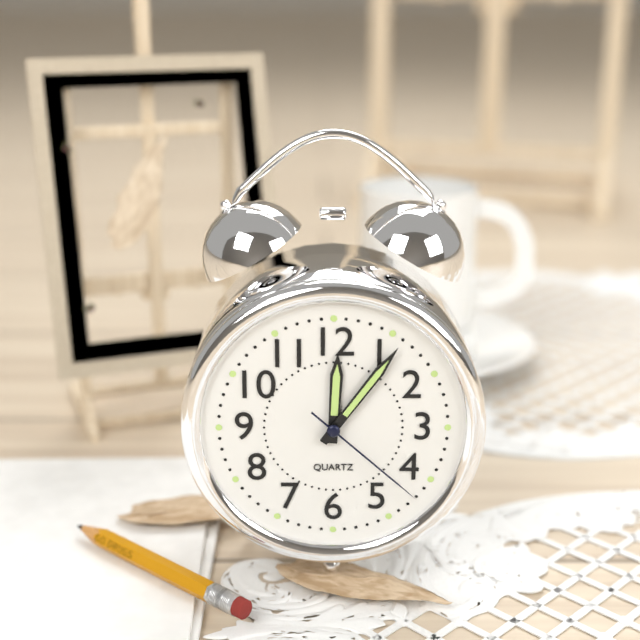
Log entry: 12:06:22
